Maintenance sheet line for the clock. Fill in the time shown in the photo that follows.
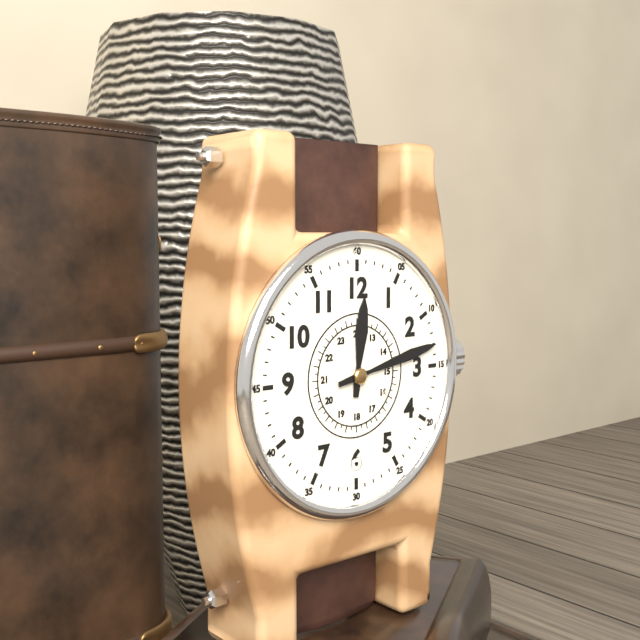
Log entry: 12:13
